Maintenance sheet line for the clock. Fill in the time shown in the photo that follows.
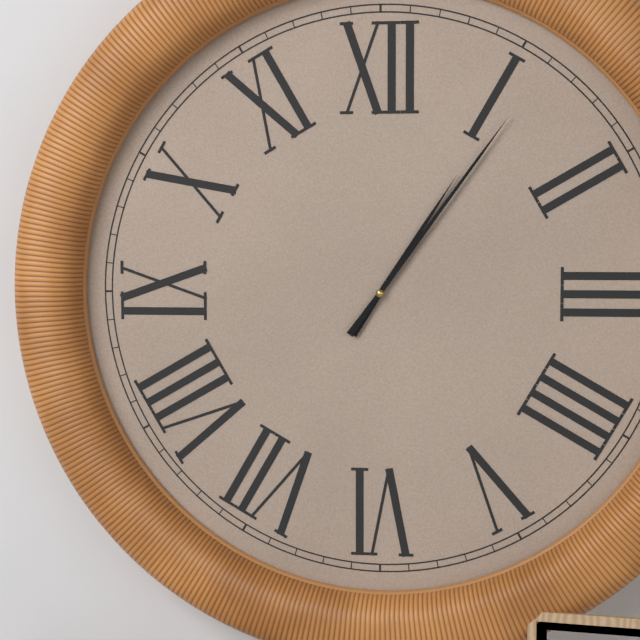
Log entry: 1:06
